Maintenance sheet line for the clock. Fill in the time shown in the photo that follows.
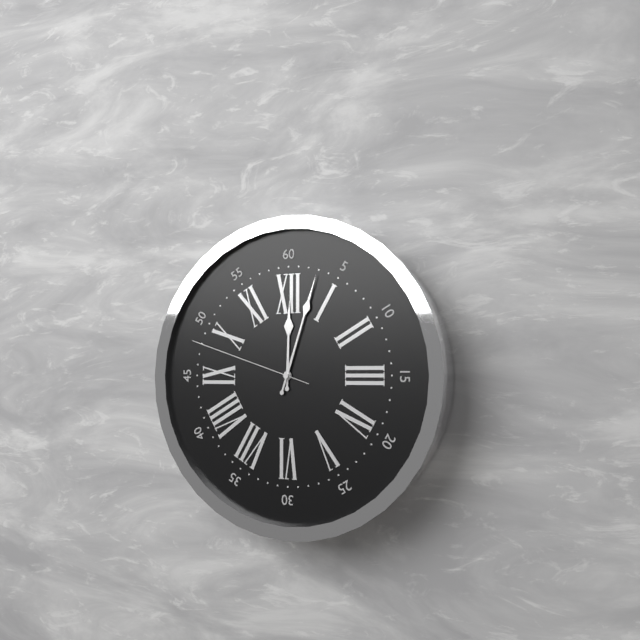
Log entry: 12:03:48
